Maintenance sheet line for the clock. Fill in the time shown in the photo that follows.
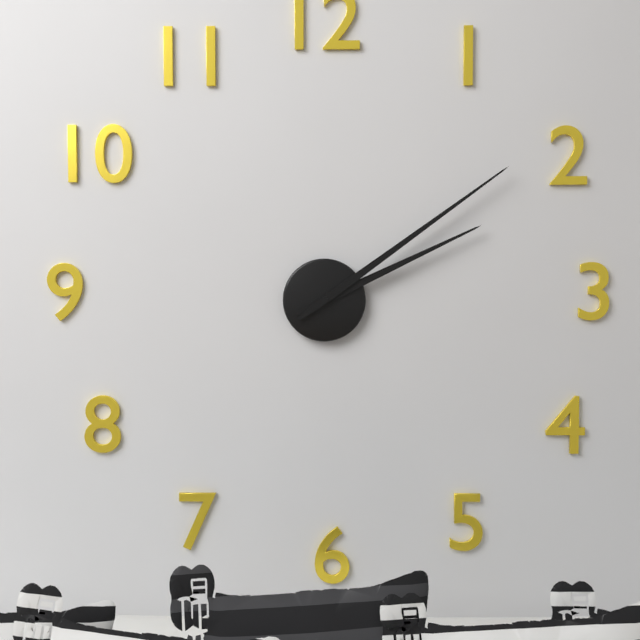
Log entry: 2:09
